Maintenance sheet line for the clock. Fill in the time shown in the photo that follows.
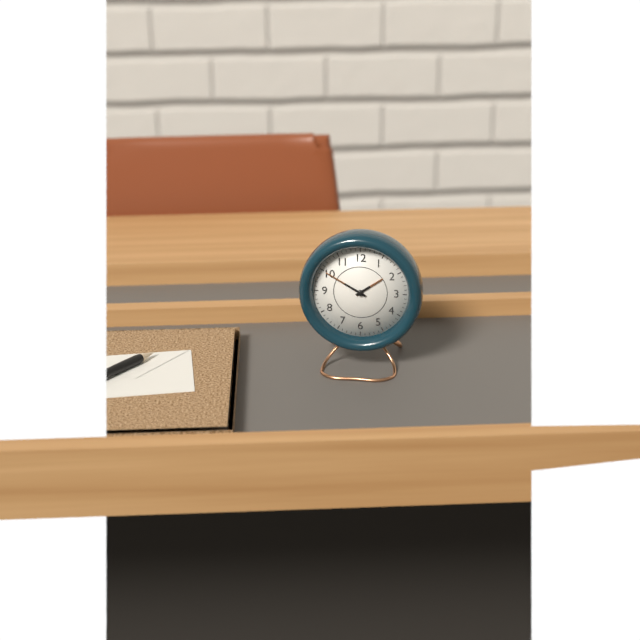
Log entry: 1:50
